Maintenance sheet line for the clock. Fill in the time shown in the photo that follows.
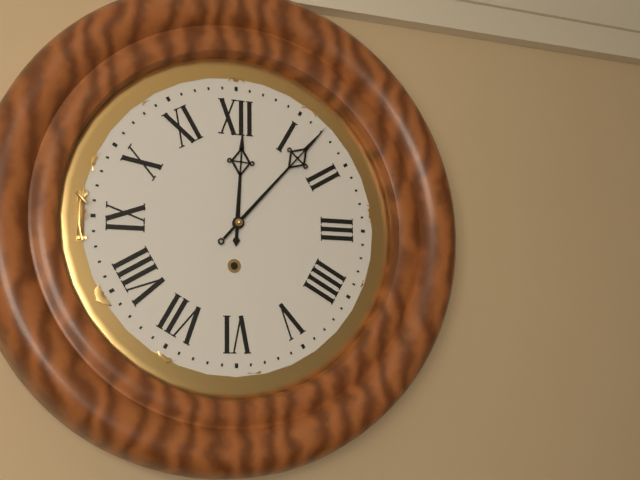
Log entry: 12:07
